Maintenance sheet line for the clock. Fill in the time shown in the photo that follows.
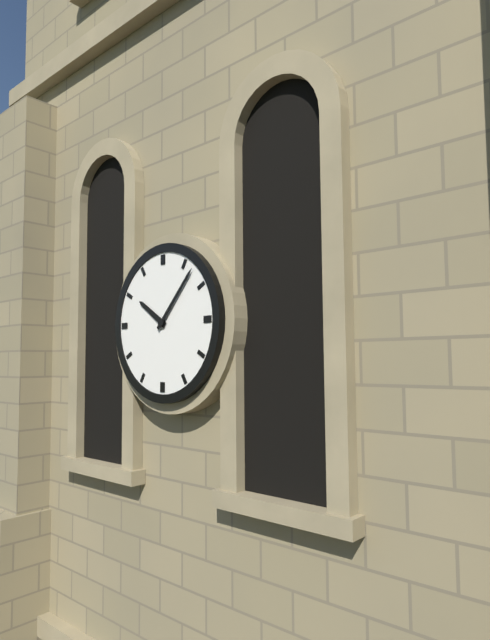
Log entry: 10:07
